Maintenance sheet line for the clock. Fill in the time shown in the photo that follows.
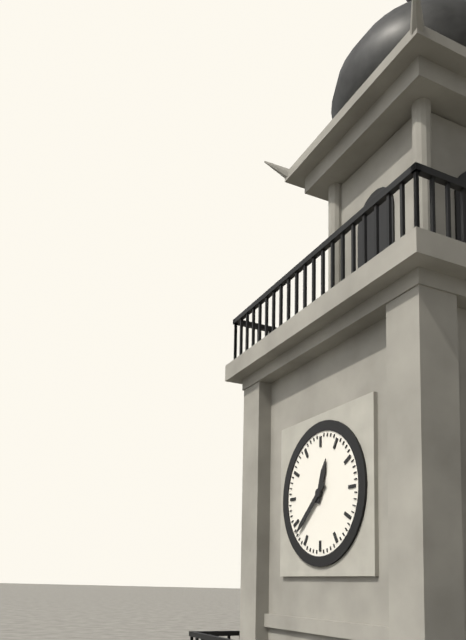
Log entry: 12:38
